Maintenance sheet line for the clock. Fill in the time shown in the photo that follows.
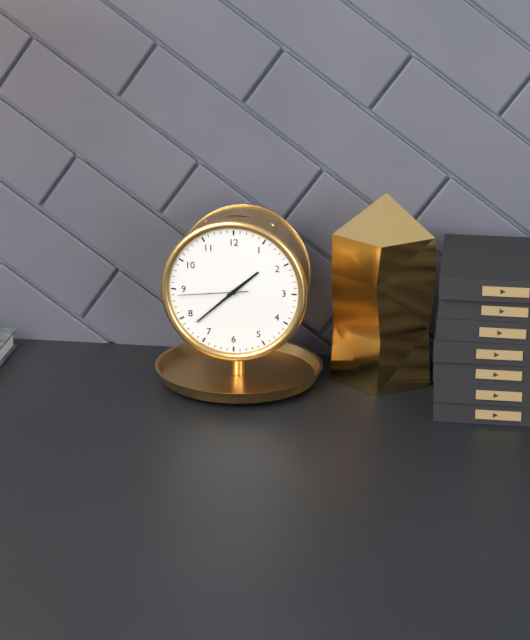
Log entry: 1:38:44
